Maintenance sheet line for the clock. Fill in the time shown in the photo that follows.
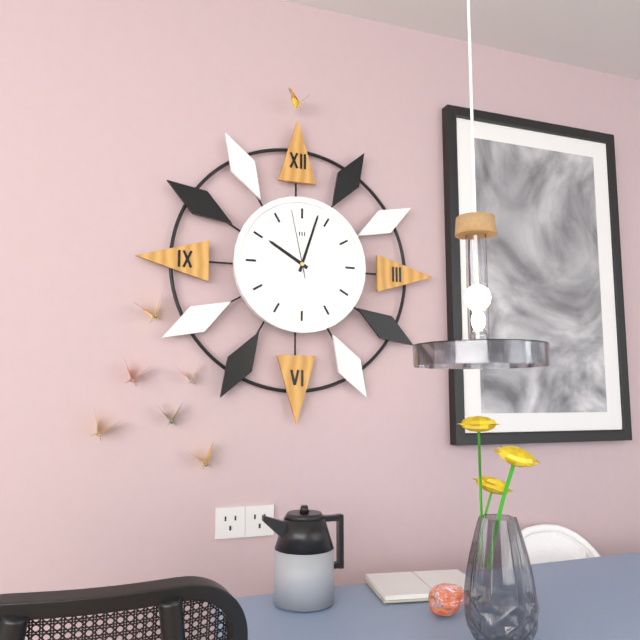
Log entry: 10:03:58
